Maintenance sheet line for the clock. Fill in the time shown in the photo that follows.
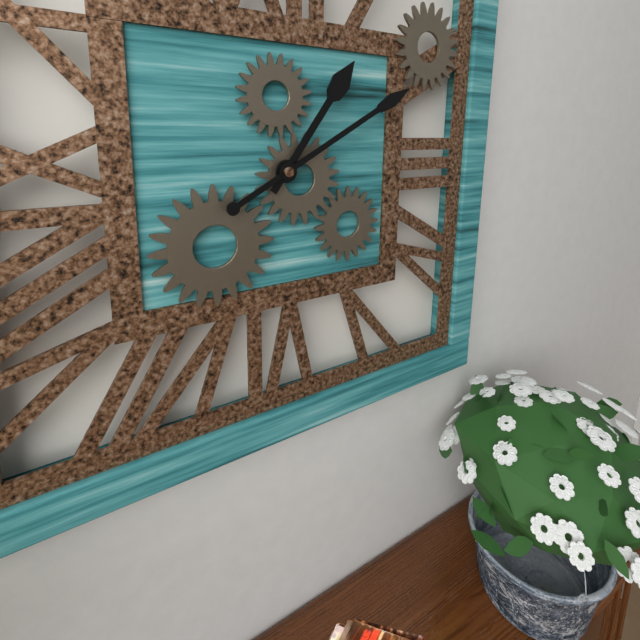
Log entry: 1:10
